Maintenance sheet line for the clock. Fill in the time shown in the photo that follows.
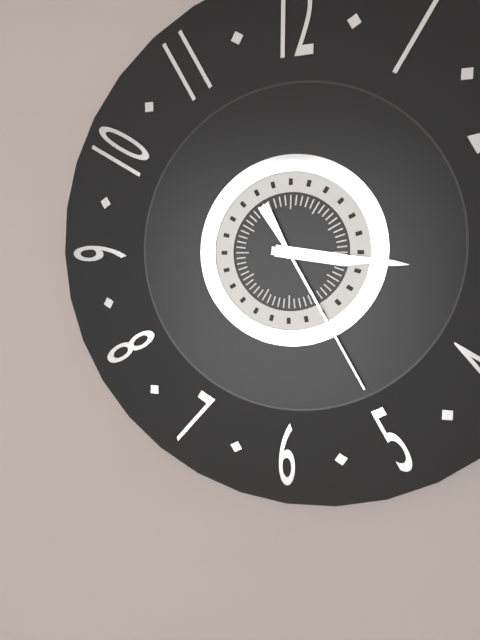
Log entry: 3:16:25
